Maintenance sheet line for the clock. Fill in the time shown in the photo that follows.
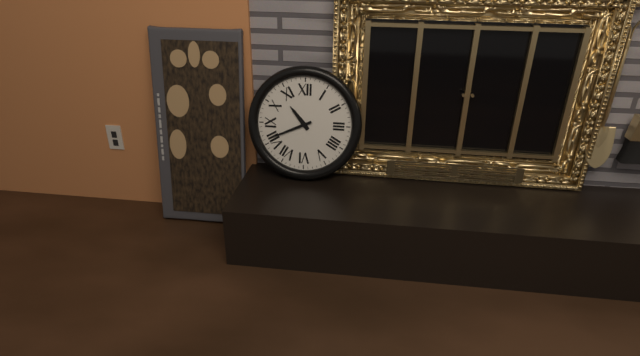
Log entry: 10:41
